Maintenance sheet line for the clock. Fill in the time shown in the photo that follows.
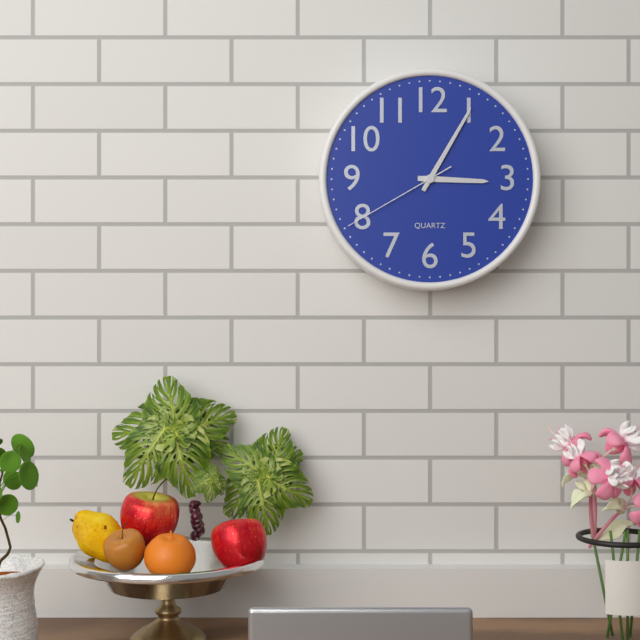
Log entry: 3:05:40
